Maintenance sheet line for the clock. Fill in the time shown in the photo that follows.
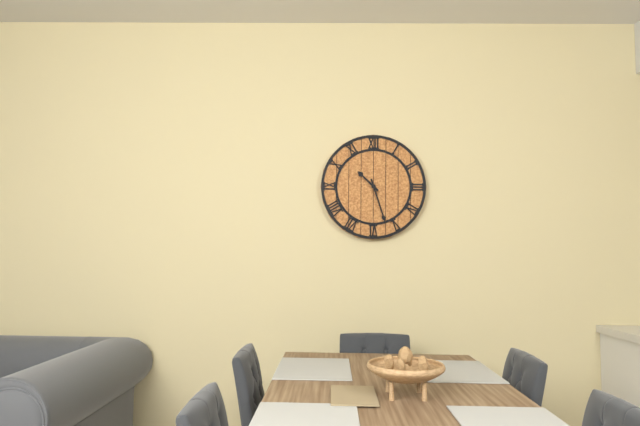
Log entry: 10:27
